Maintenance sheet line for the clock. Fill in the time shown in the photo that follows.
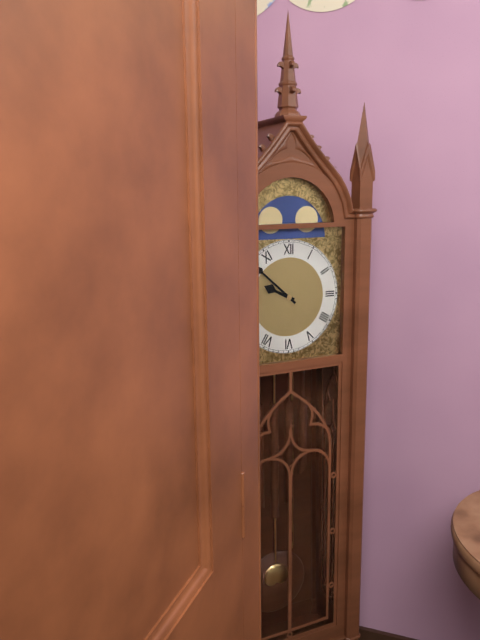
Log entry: 9:52
